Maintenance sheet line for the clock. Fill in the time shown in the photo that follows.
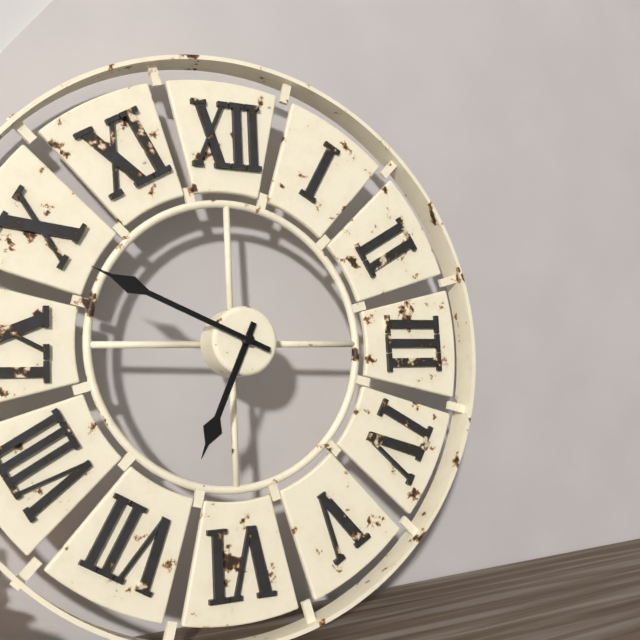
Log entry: 6:49
